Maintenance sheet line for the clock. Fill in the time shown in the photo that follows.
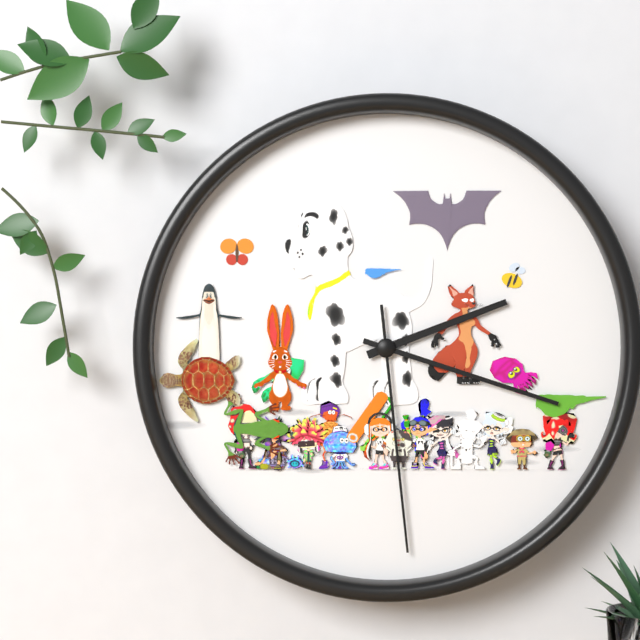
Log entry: 2:18:29
